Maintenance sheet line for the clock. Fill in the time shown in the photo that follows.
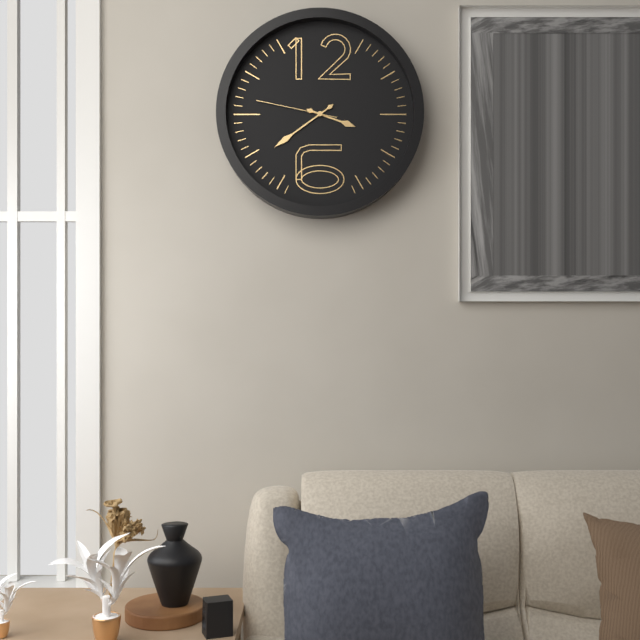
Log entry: 3:39:47
